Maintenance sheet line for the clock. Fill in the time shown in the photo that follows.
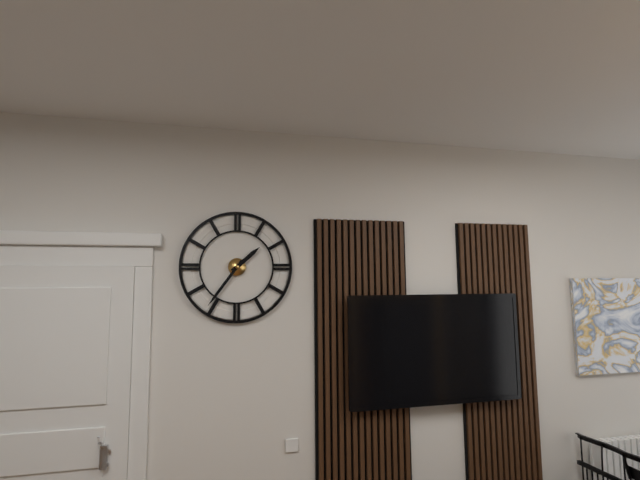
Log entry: 1:36
